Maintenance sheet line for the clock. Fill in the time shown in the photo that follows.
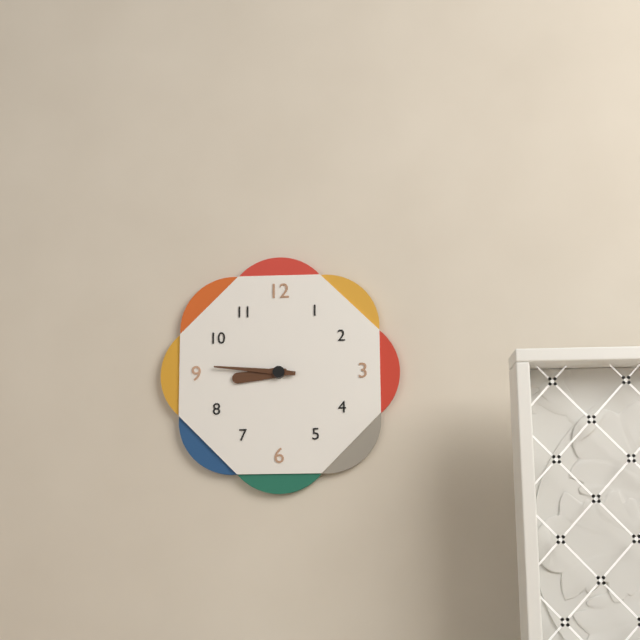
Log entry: 8:46
